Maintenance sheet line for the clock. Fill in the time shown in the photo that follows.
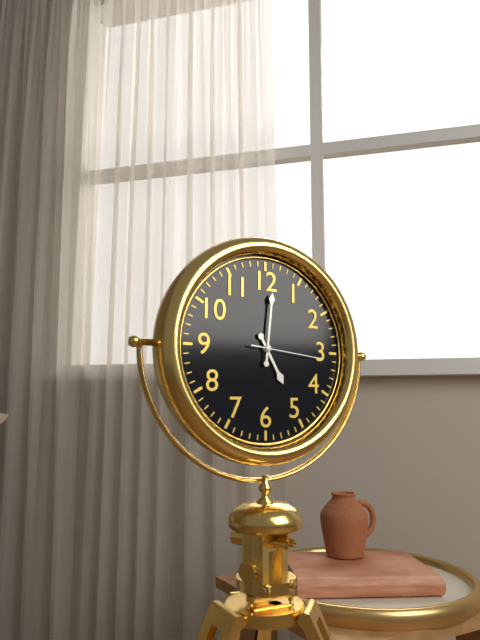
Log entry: 5:01:16
